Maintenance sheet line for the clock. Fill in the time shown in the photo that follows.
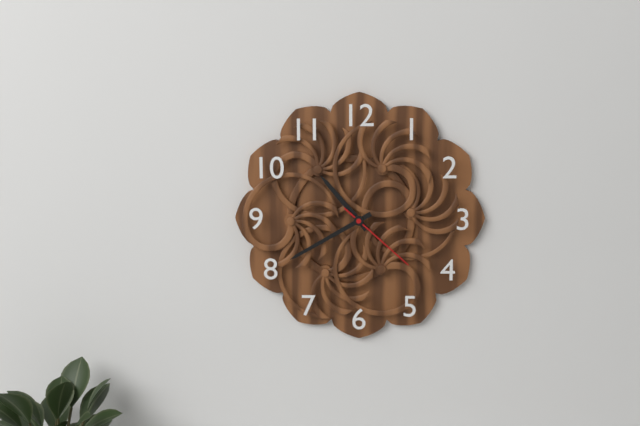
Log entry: 10:40:22
